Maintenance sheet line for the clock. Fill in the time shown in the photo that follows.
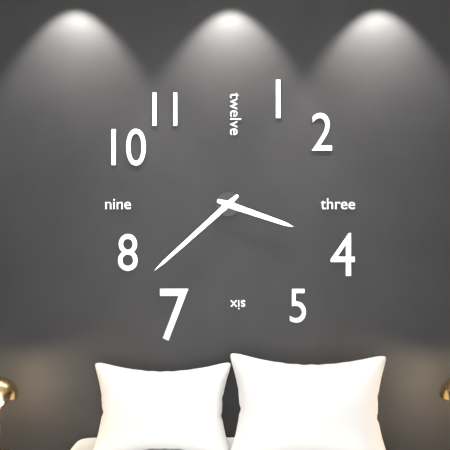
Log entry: 3:38
